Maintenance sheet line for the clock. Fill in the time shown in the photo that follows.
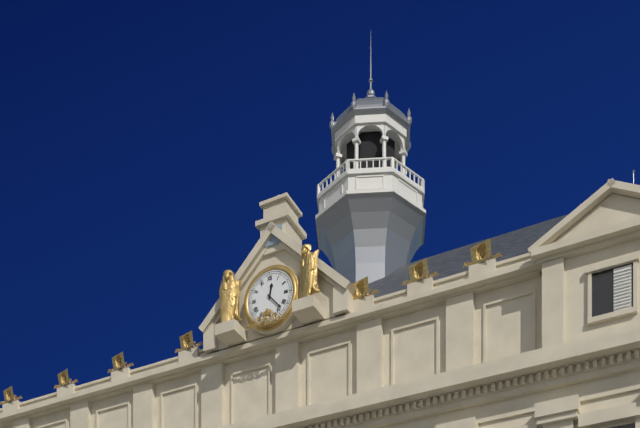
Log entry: 12:23
